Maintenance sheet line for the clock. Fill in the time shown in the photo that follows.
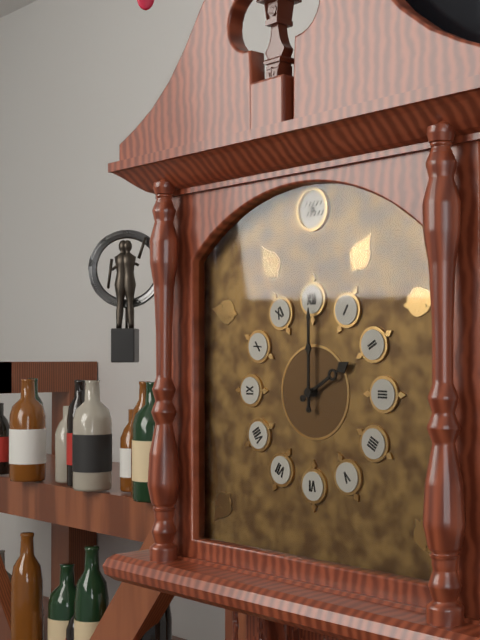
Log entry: 2:00
